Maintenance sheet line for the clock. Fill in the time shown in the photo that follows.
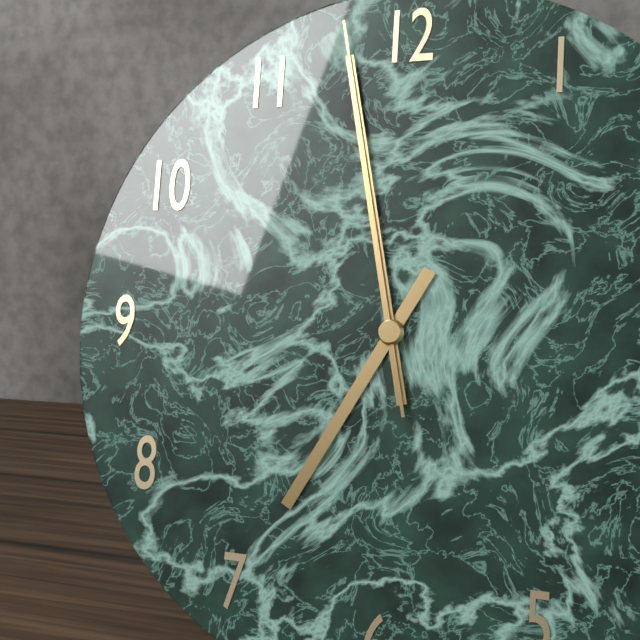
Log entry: 6:58:58
